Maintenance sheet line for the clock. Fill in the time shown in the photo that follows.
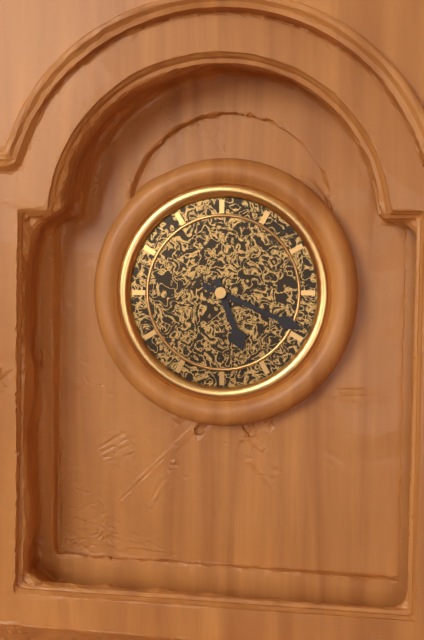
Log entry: 5:19
